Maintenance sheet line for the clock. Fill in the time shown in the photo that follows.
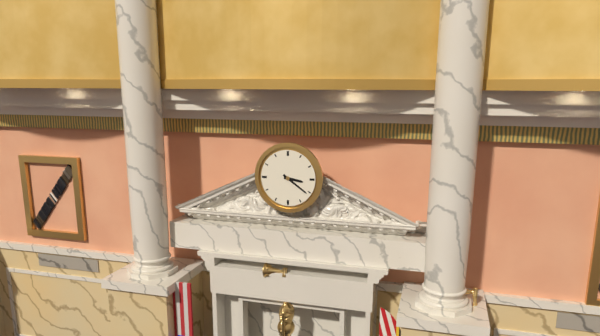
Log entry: 3:21
